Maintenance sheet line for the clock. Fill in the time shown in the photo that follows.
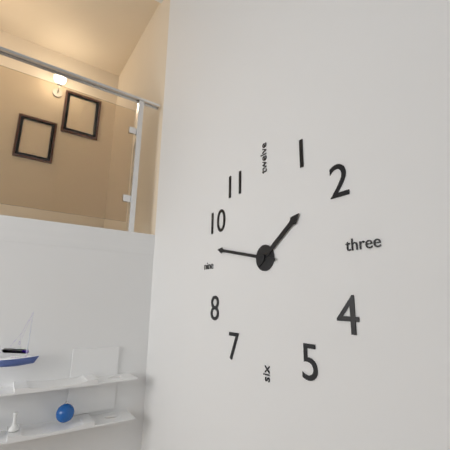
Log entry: 1:47
